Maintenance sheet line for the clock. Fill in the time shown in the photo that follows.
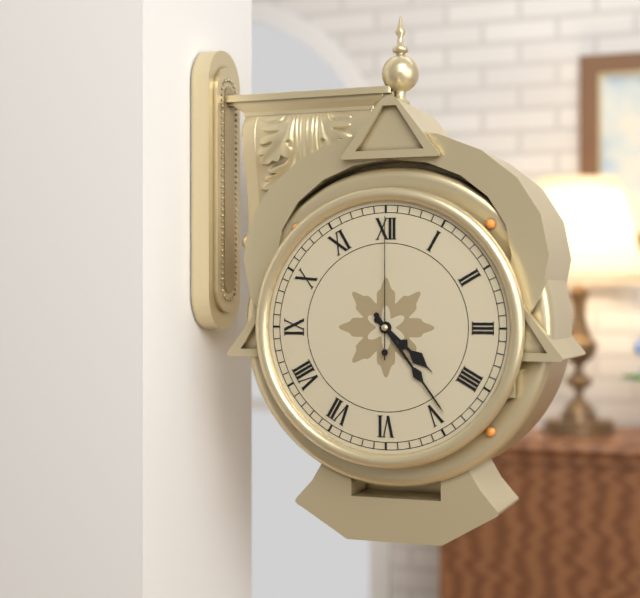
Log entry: 4:24:00
